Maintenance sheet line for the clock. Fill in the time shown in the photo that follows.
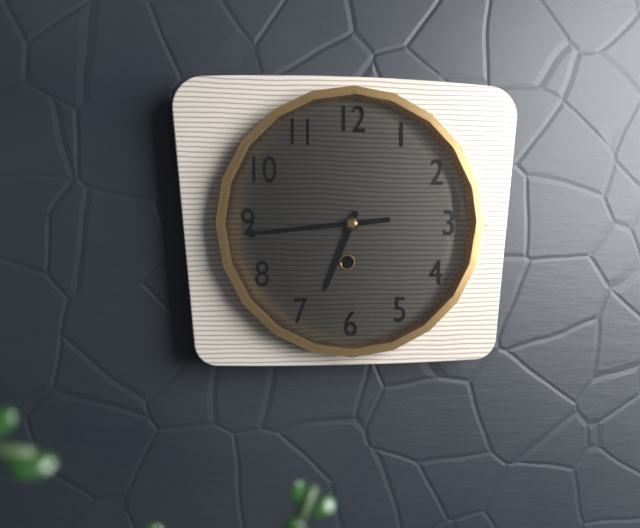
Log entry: 6:44
